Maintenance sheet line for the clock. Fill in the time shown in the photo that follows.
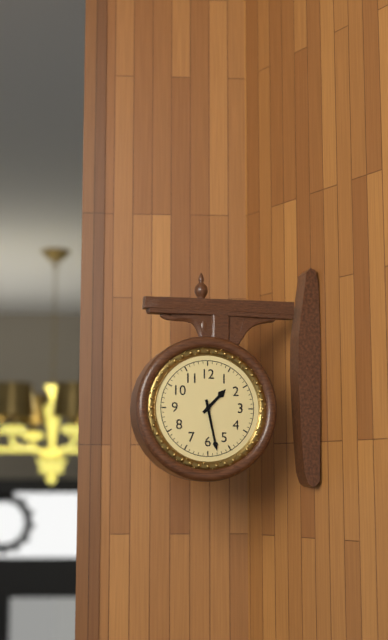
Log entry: 1:28
